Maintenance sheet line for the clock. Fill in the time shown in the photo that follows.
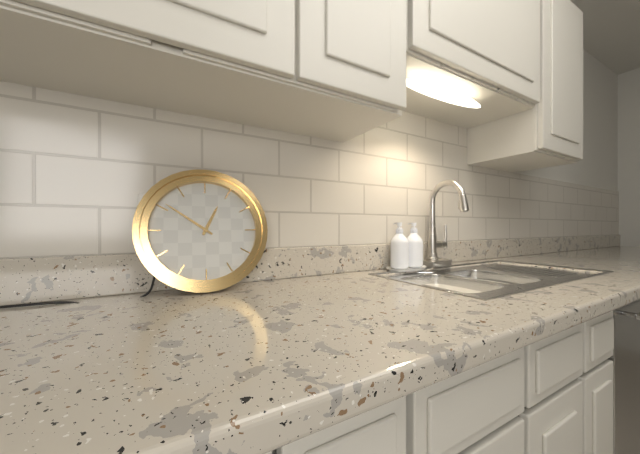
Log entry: 12:51
